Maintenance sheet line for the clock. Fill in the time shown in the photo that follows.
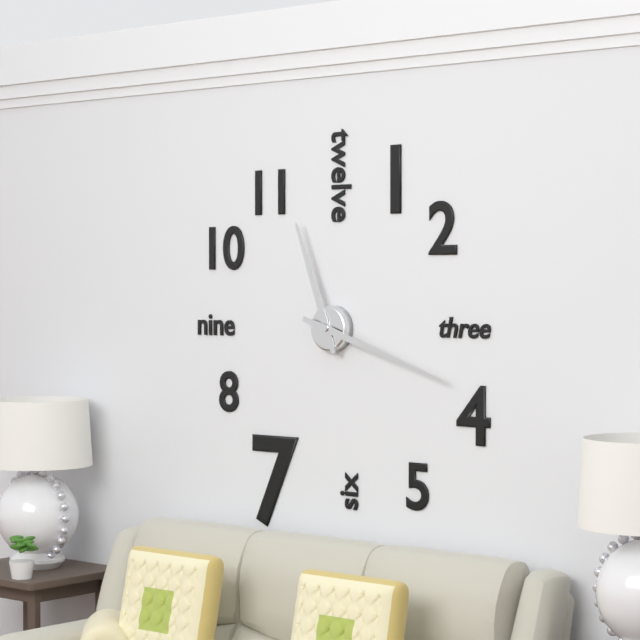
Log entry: 11:18
